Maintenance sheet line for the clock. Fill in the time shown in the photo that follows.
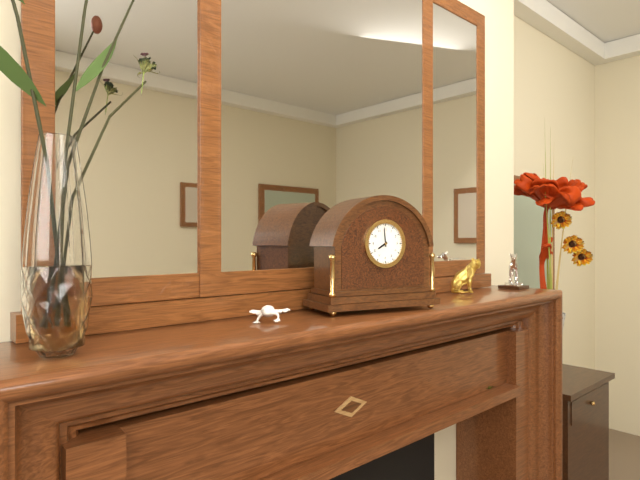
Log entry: 7:59
